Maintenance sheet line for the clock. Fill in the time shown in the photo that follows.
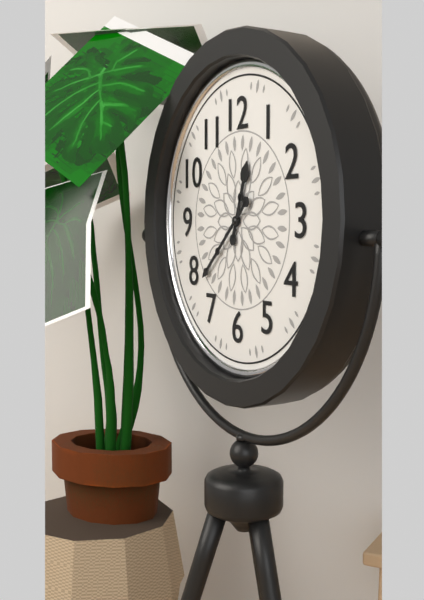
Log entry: 12:38
